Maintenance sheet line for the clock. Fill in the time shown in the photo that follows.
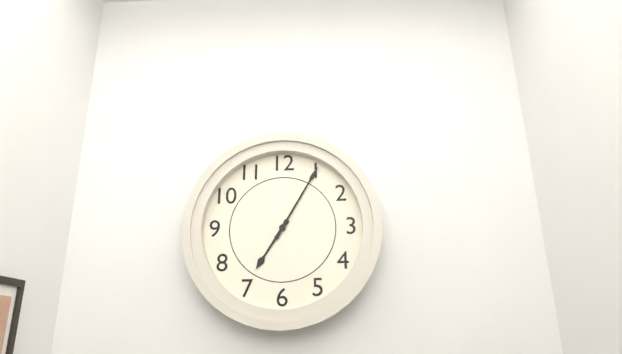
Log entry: 7:05
